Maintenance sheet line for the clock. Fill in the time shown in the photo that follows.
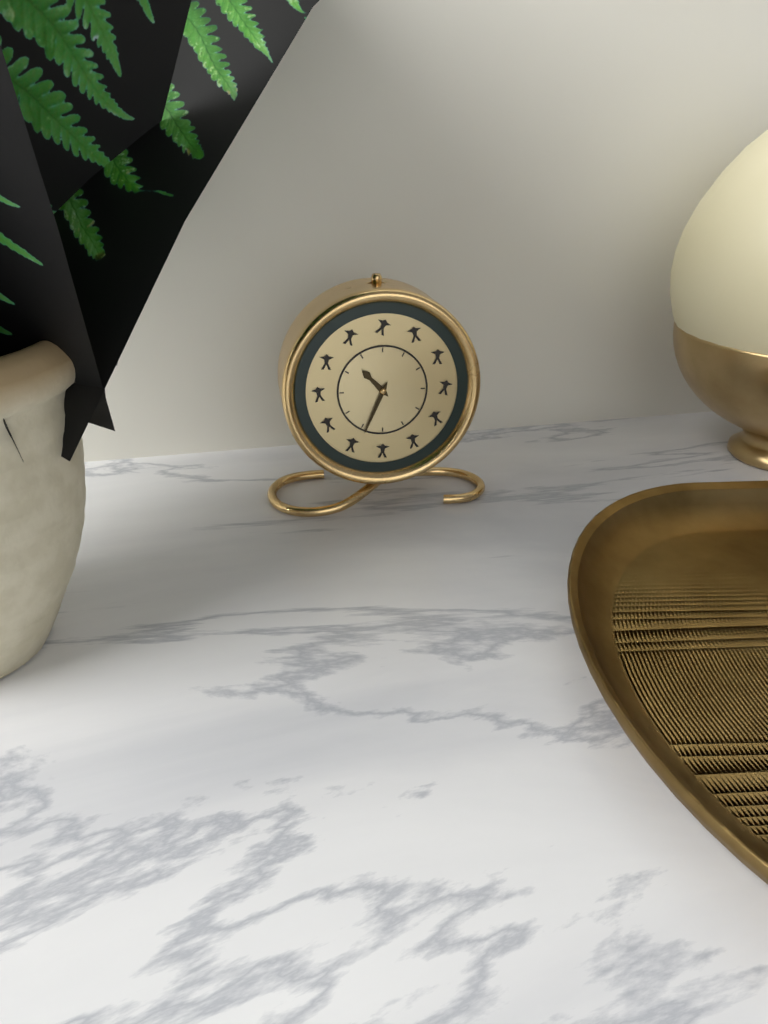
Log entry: 10:34
